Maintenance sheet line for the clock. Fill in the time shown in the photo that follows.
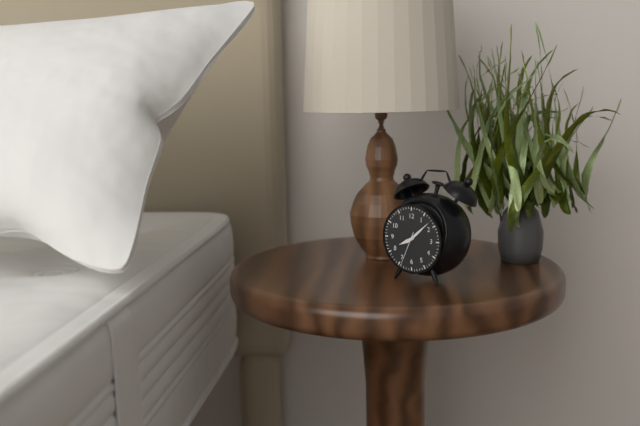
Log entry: 8:08
